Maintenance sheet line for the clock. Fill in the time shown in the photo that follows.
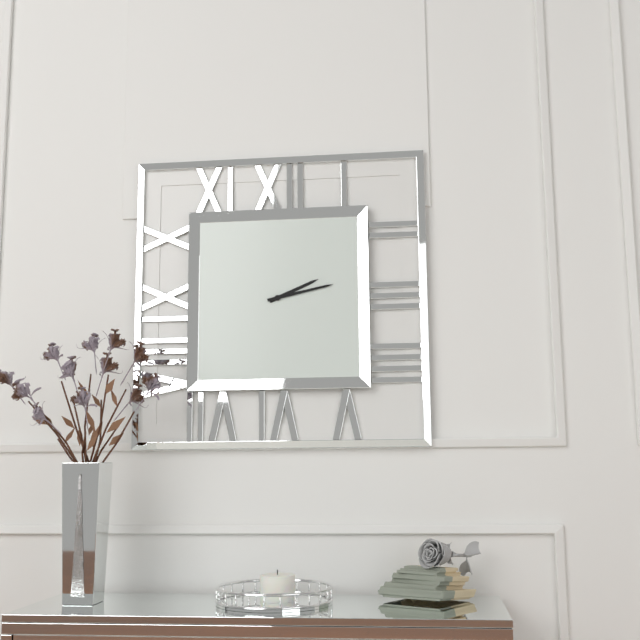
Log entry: 2:13
